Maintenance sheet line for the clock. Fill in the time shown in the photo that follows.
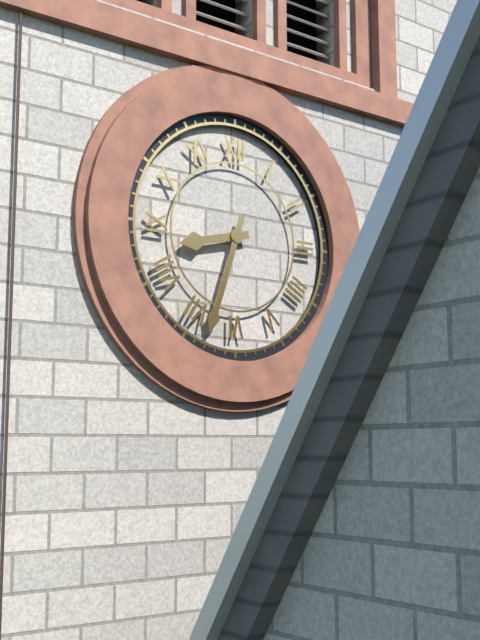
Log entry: 8:33
